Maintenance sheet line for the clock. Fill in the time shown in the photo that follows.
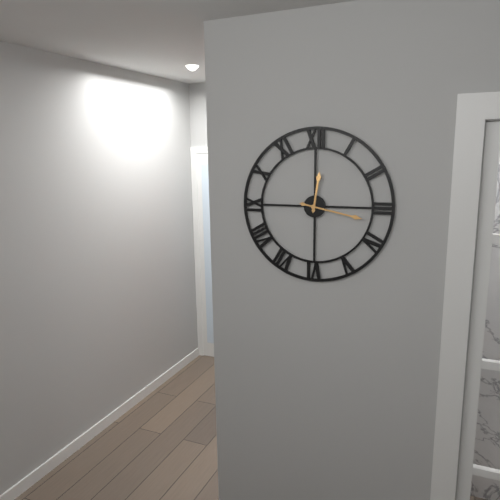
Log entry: 12:17
